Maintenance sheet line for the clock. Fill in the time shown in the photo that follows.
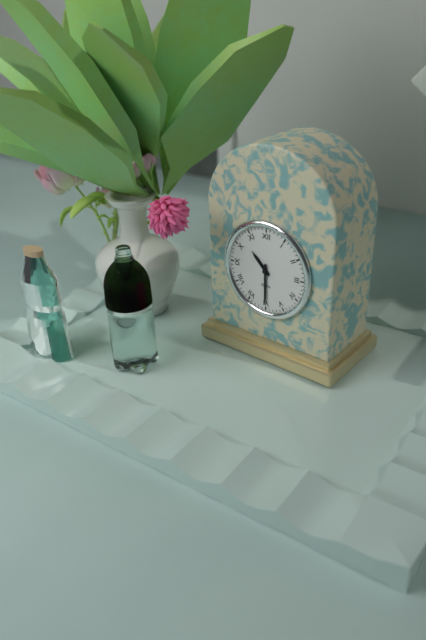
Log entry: 10:30
